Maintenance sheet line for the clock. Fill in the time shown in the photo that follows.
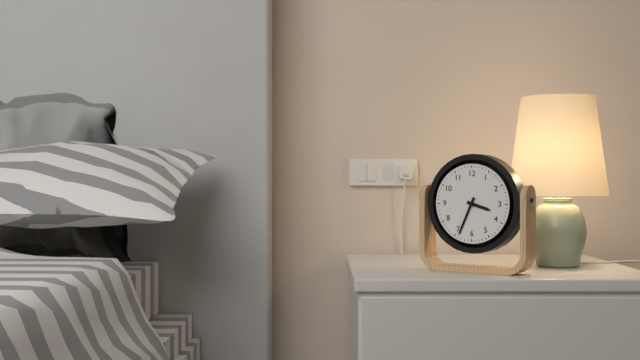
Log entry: 3:34
